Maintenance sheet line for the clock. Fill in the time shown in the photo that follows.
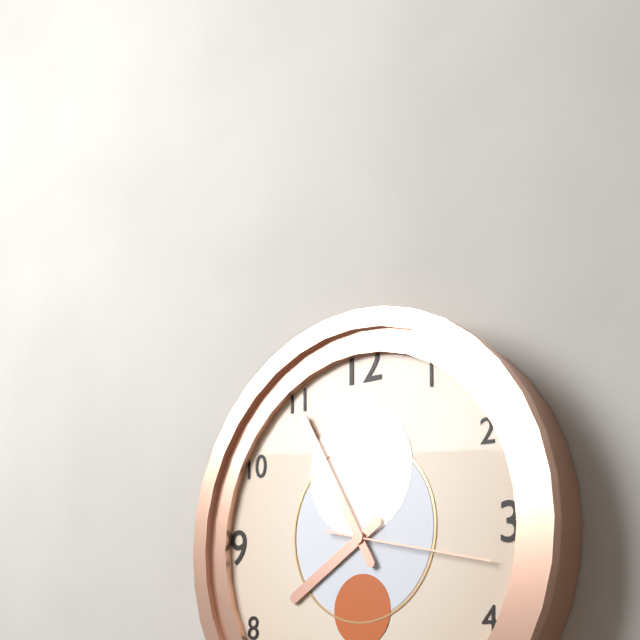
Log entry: 7:55:17
